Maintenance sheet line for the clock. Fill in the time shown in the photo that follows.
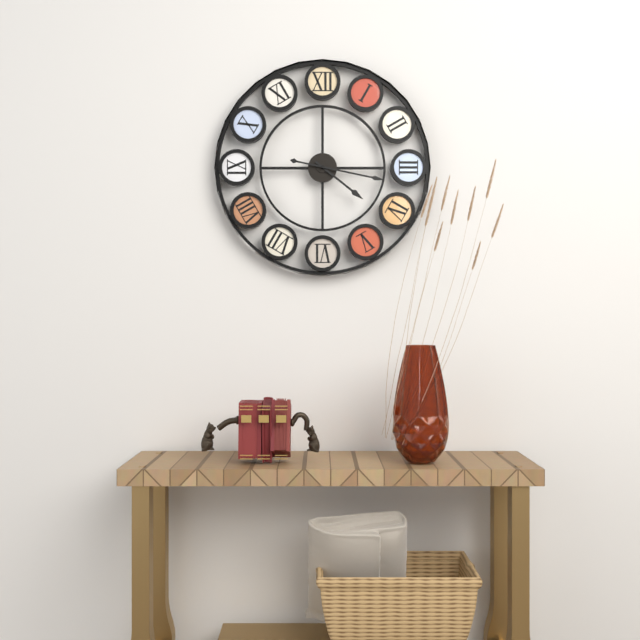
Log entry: 4:17
